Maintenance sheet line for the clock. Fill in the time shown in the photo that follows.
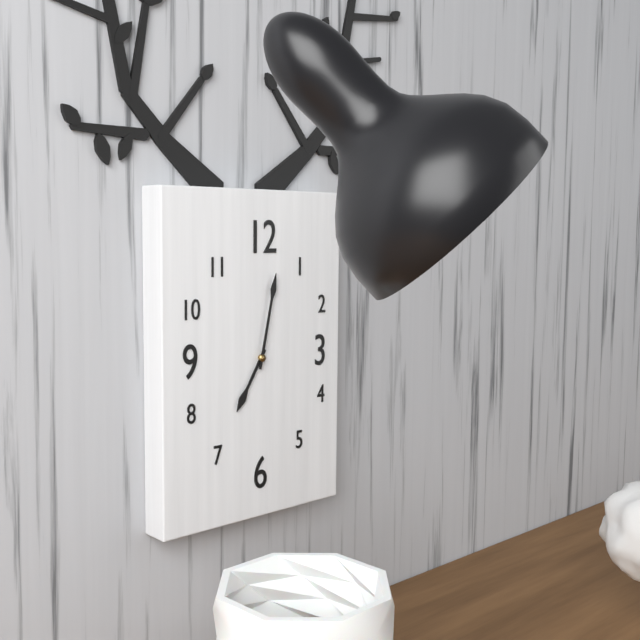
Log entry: 7:02
